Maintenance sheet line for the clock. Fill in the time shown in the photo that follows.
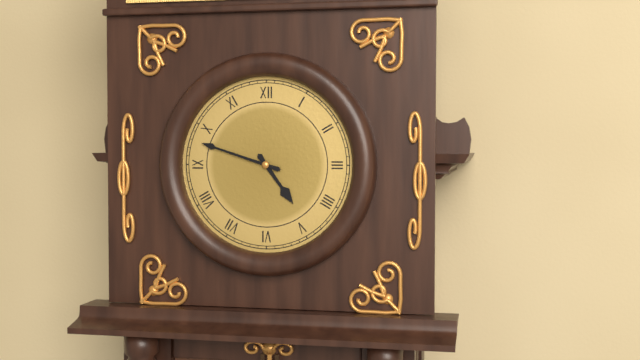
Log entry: 4:48
